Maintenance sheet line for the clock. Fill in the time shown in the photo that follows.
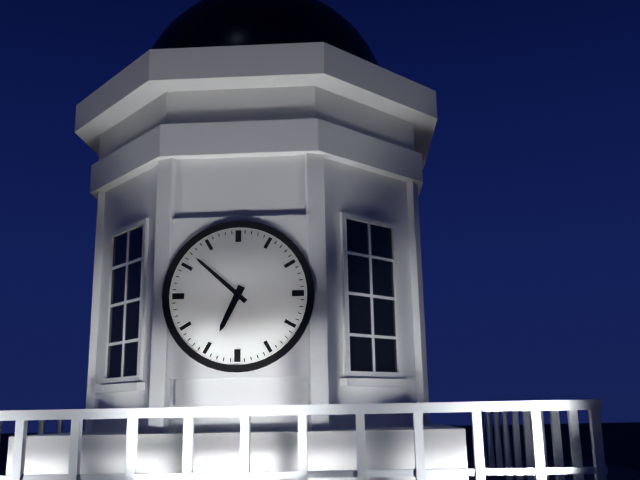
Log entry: 6:52
